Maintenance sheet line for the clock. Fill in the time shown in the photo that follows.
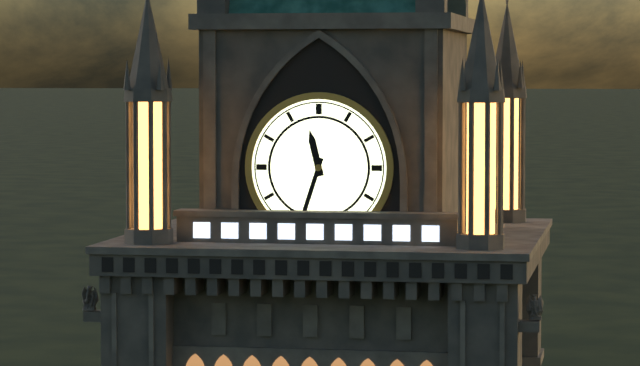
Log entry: 11:33
